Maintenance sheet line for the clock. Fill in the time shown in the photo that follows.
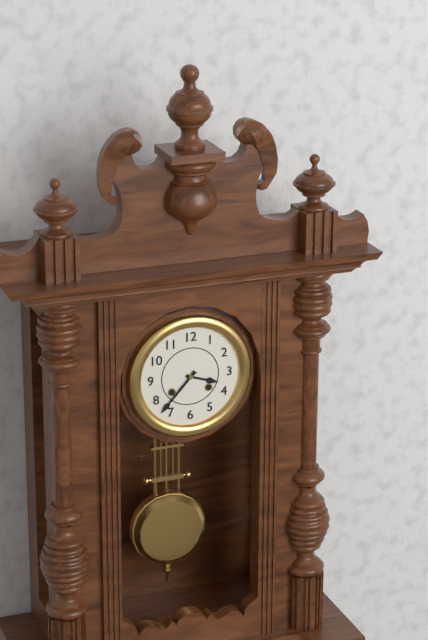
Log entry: 3:37
